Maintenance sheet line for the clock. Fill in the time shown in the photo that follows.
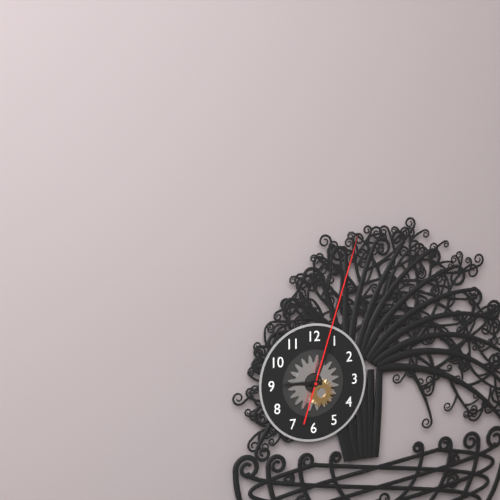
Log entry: 9:04:03
